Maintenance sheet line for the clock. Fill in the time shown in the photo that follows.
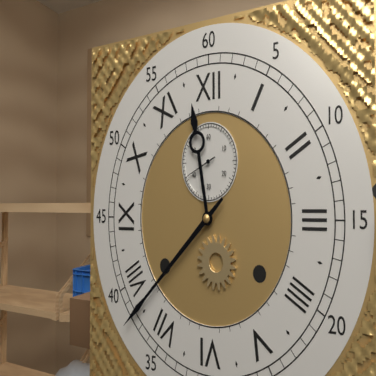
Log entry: 11:38
